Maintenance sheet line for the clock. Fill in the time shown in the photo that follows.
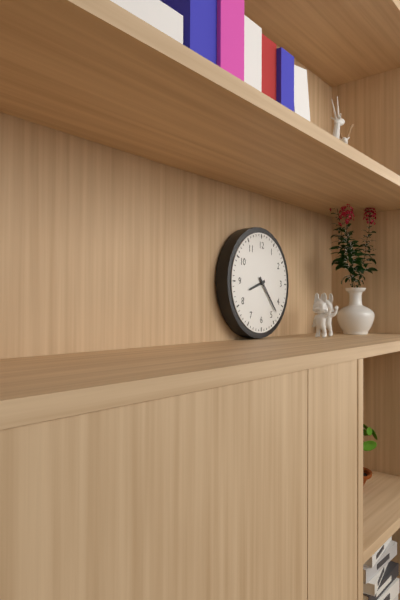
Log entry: 8:23
